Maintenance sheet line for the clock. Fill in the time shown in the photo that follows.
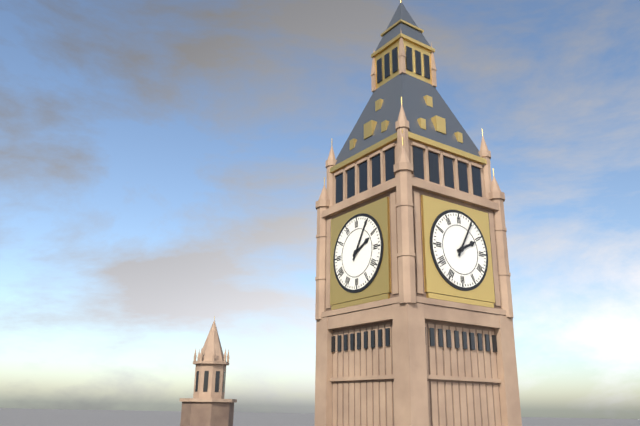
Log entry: 2:05
